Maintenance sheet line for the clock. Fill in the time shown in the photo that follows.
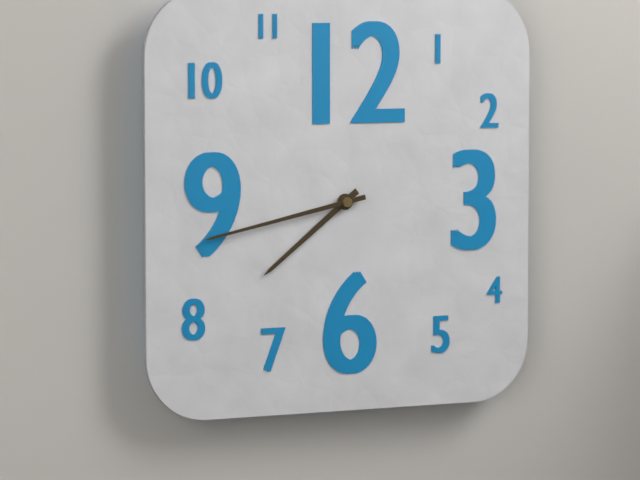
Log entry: 7:43
